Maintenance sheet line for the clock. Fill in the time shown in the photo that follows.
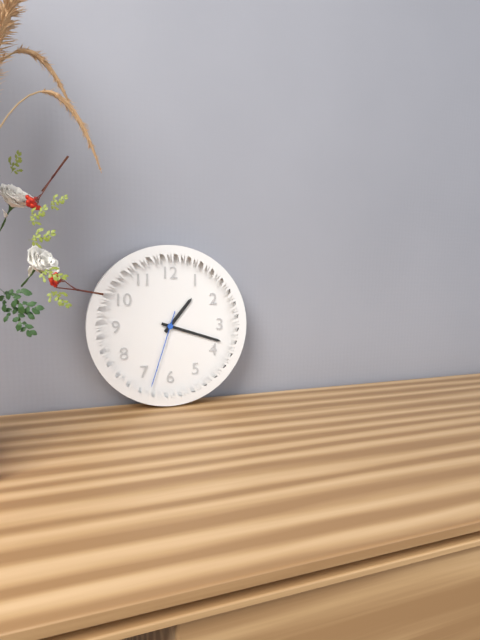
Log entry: 1:18:33
